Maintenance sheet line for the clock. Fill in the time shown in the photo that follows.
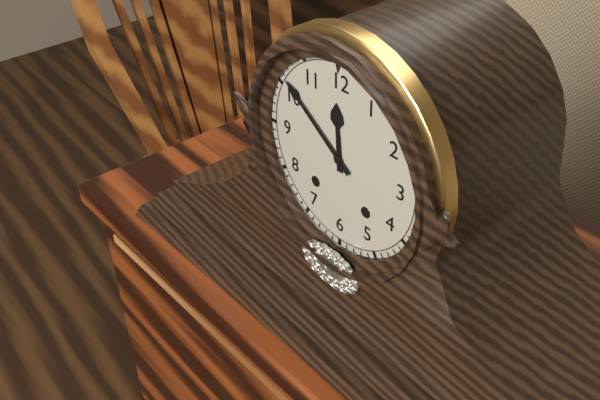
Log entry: 11:51
